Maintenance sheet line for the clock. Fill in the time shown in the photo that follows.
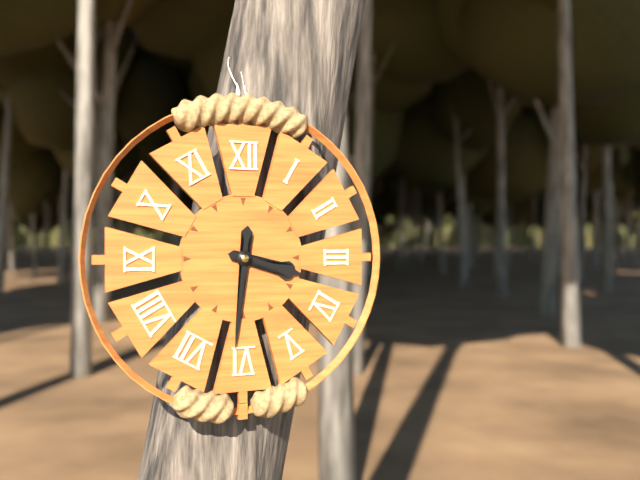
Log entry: 3:31
